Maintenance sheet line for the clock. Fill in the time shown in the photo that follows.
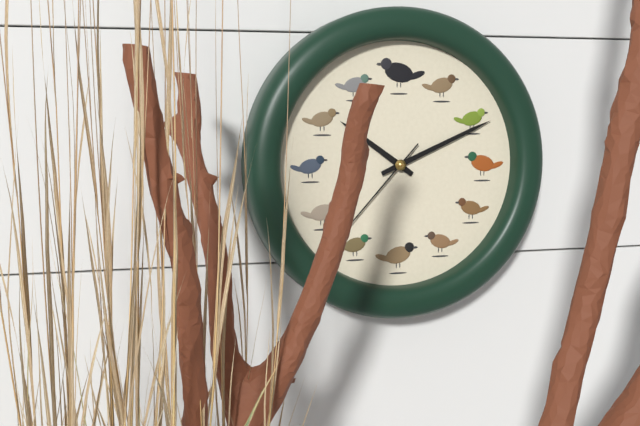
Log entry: 10:11
